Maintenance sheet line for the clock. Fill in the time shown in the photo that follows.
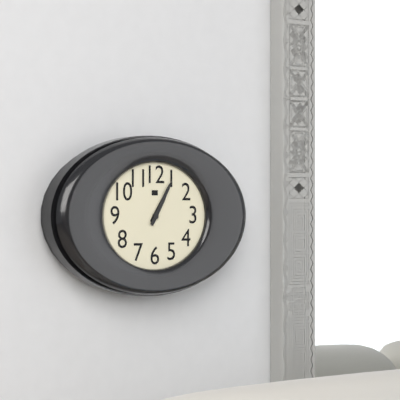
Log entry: 1:05
